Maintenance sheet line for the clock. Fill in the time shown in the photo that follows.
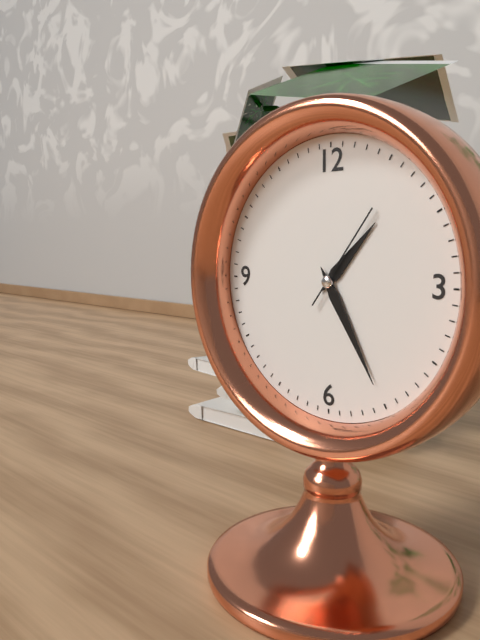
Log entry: 1:25:06
